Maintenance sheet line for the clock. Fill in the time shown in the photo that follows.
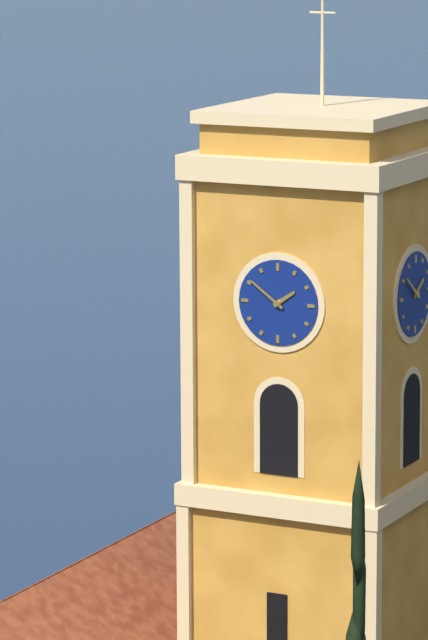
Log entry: 1:51
